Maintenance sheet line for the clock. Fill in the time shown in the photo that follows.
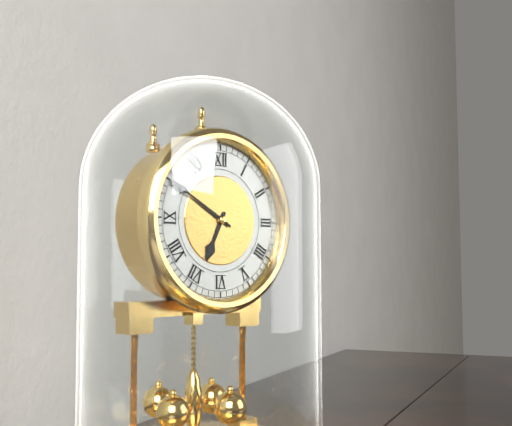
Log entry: 6:50
